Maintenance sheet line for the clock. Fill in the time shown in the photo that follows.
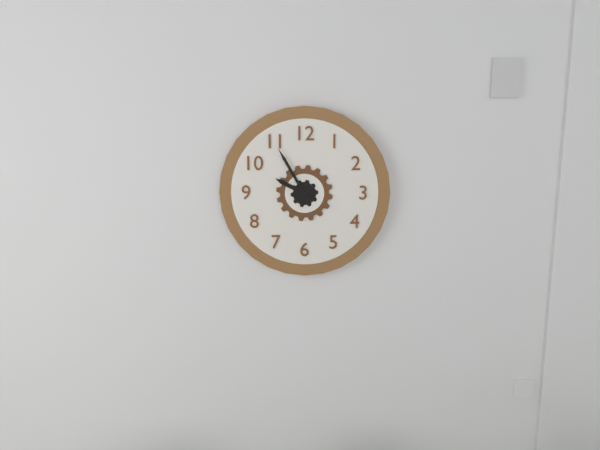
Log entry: 9:55
